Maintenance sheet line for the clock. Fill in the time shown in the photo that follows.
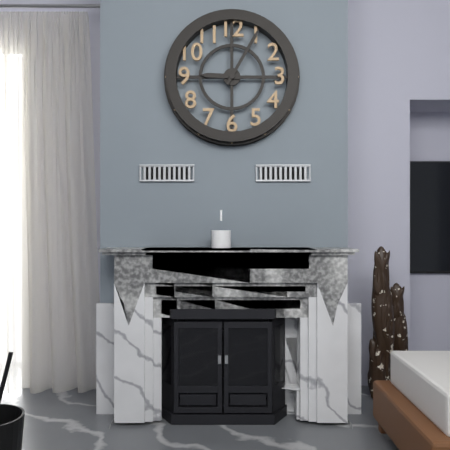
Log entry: 9:05
